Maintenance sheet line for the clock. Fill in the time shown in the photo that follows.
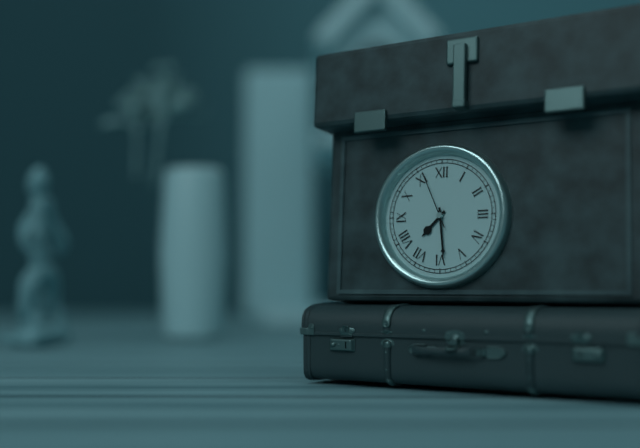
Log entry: 7:29:56
